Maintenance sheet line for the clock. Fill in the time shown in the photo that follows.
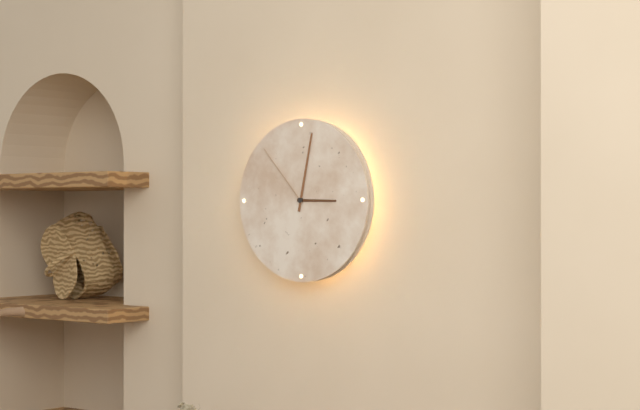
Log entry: 3:02:53
